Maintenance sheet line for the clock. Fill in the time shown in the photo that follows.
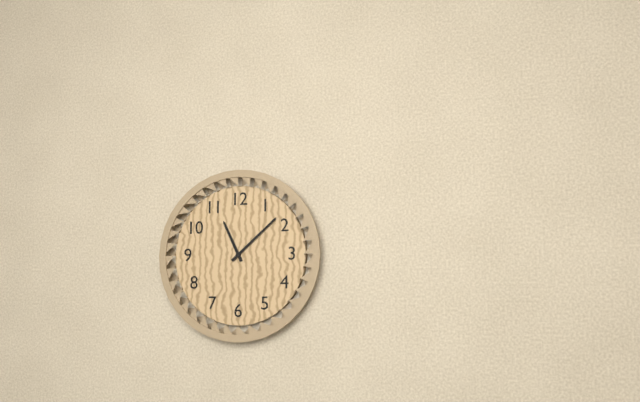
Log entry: 11:08
